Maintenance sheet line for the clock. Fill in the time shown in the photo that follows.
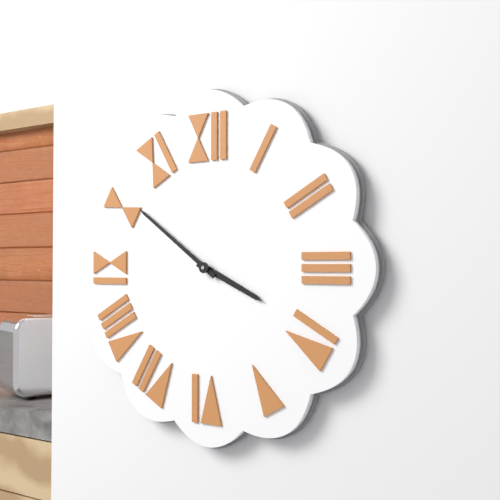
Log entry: 3:51
